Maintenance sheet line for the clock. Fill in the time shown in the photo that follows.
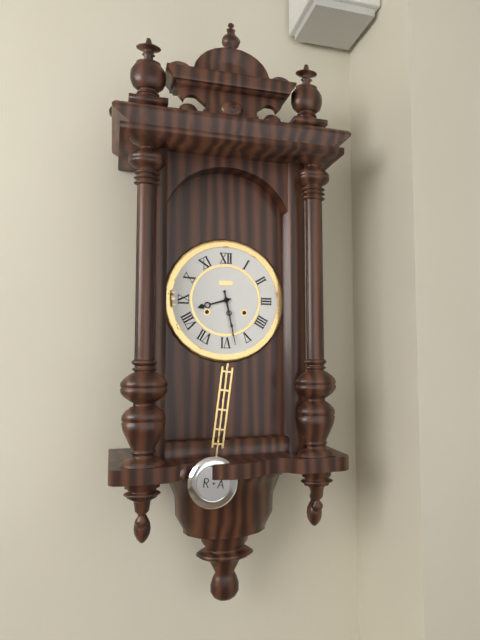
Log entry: 8:28
